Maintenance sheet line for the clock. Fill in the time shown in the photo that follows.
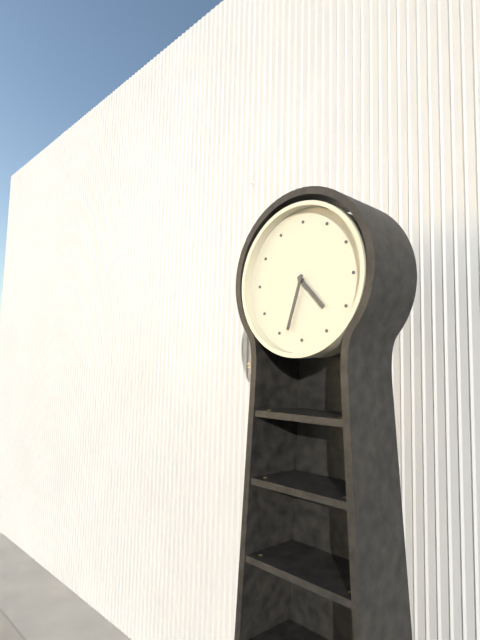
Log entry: 4:33
